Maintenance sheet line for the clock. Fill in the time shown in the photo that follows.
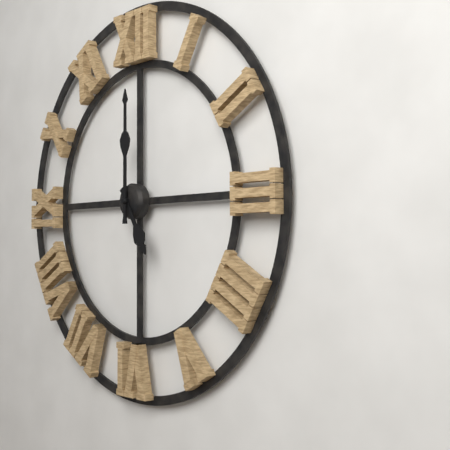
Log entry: 5:00
